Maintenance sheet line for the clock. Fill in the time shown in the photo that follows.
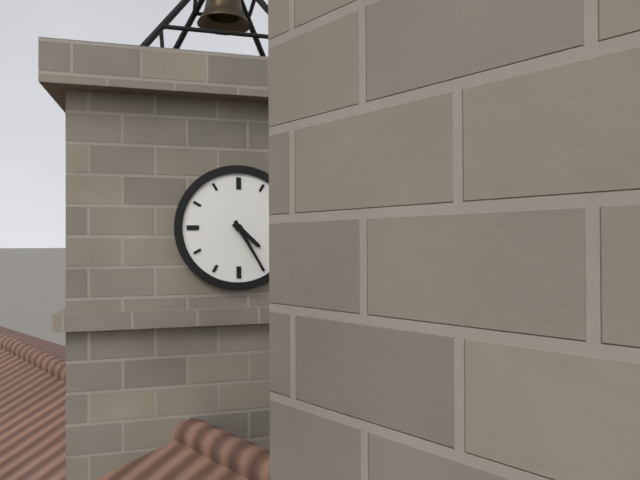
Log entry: 4:25
